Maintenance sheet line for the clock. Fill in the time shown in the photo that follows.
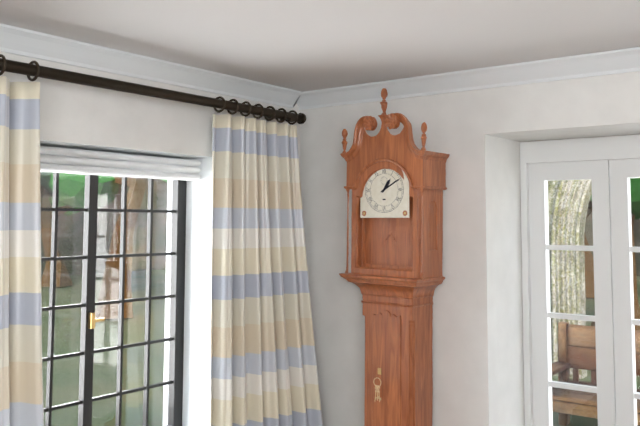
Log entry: 1:10
